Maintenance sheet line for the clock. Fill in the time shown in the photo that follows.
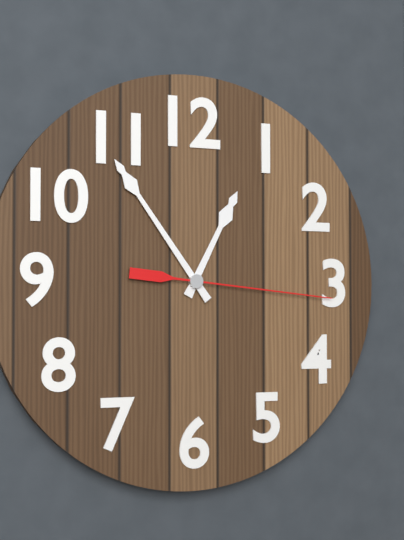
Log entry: 12:54:16
